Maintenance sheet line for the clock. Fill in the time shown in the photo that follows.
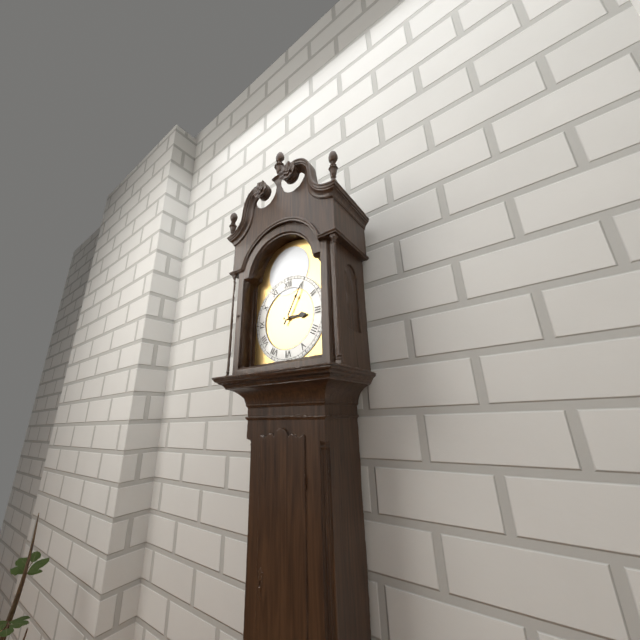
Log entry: 3:05
